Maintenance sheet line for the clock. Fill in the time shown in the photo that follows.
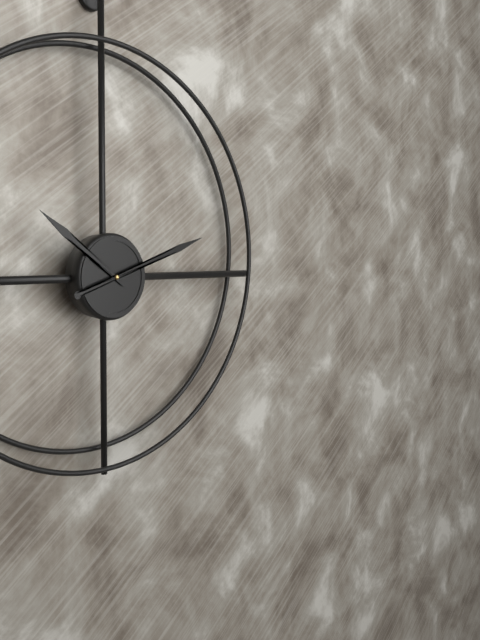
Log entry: 10:12
